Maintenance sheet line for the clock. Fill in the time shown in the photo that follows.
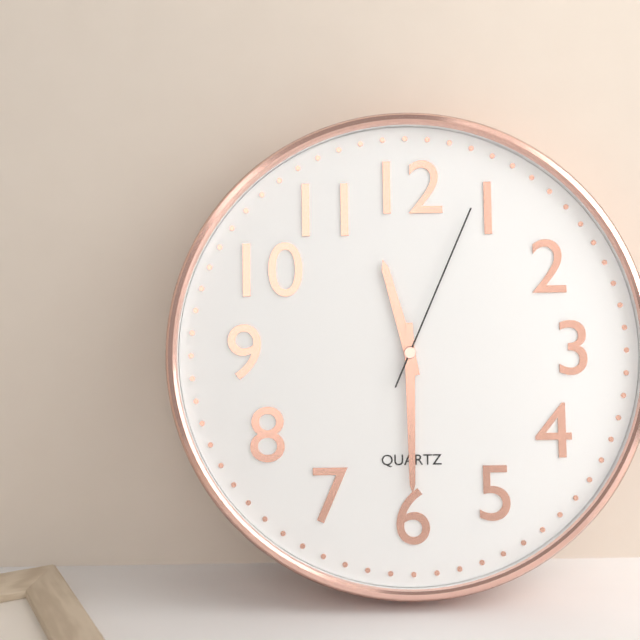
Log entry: 11:30:04
